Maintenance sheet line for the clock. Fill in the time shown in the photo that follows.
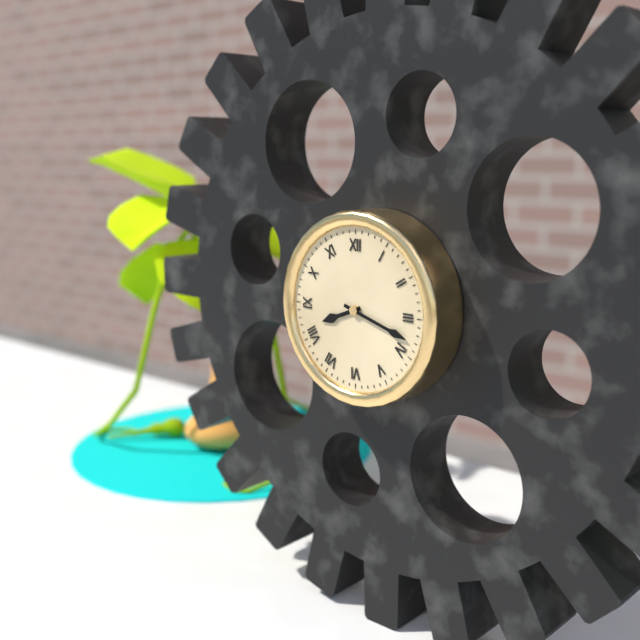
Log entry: 8:18
